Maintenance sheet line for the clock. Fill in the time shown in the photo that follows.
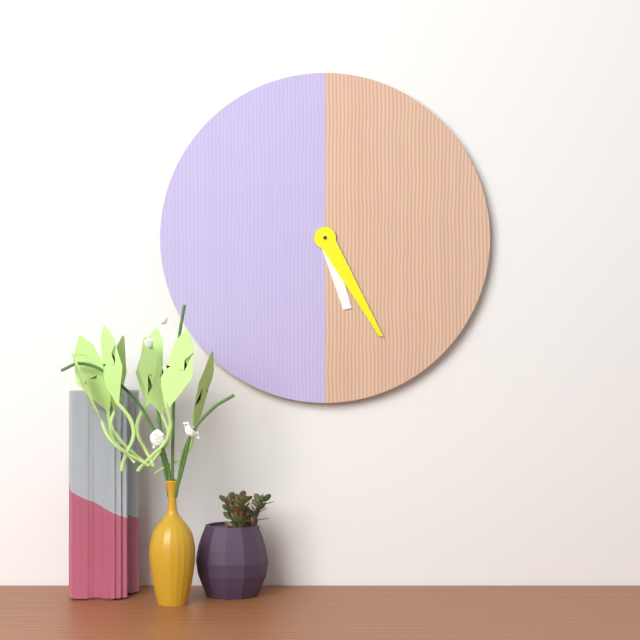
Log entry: 5:25
